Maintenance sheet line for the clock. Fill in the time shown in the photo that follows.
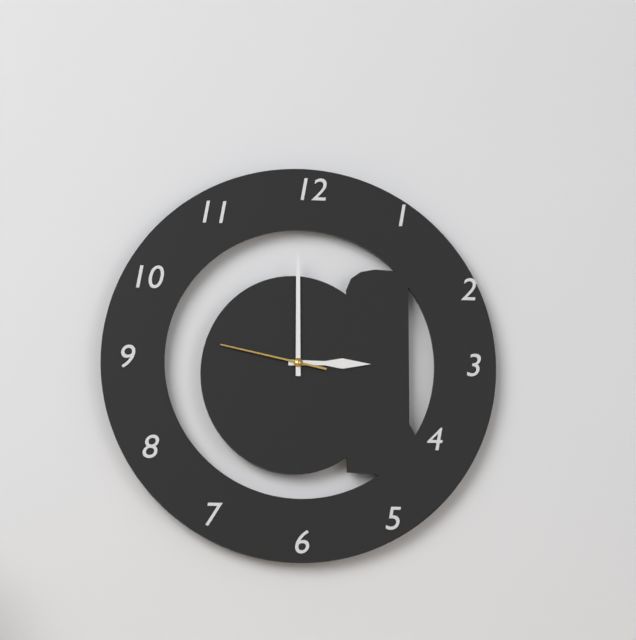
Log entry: 3:00:47
